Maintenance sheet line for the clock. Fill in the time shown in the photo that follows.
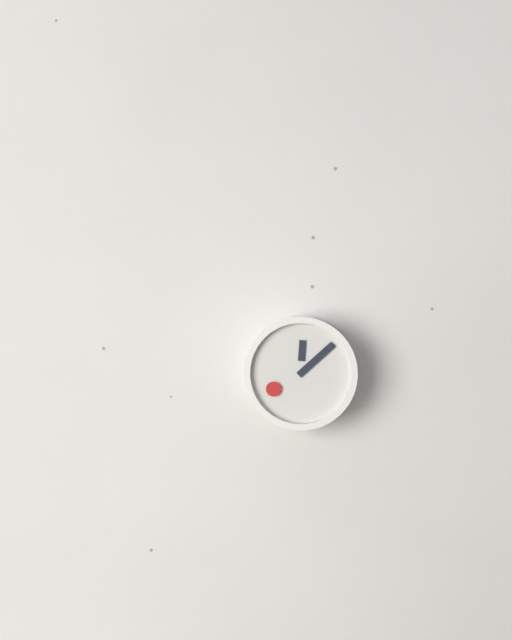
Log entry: 12:08
